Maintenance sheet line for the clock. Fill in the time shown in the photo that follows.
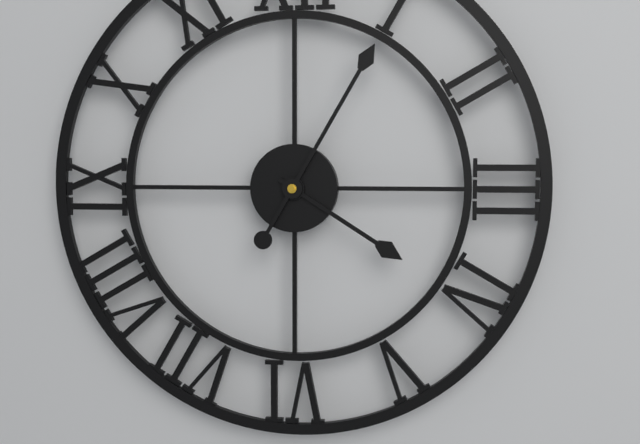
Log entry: 4:05
